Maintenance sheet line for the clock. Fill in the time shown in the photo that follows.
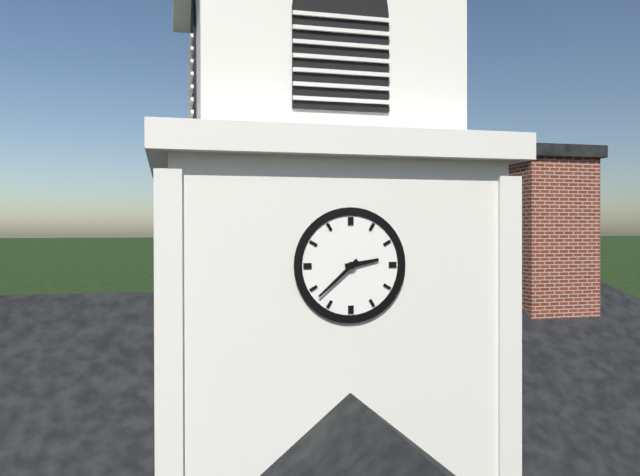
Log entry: 2:38
